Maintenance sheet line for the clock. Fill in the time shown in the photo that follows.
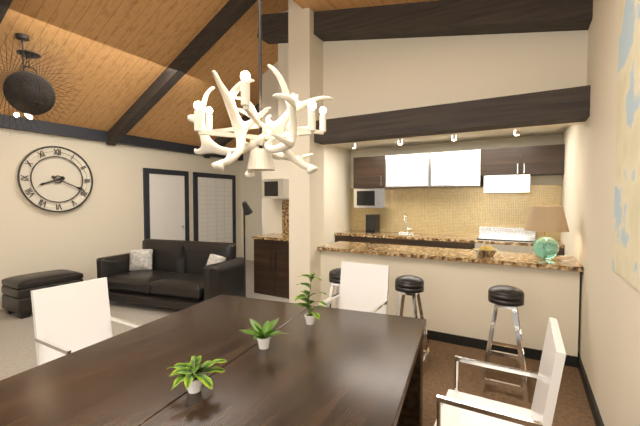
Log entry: 8:19
